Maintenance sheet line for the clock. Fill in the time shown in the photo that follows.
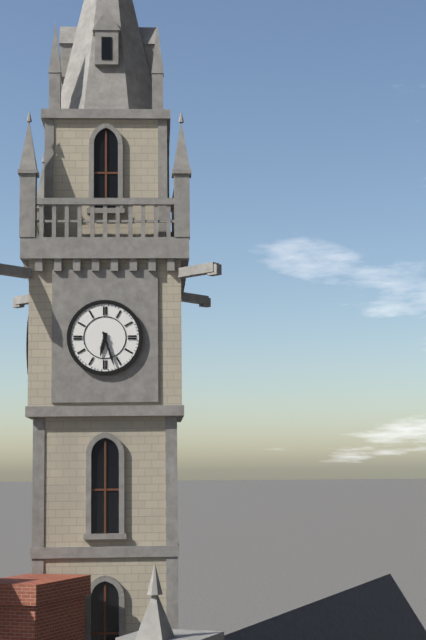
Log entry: 6:27
